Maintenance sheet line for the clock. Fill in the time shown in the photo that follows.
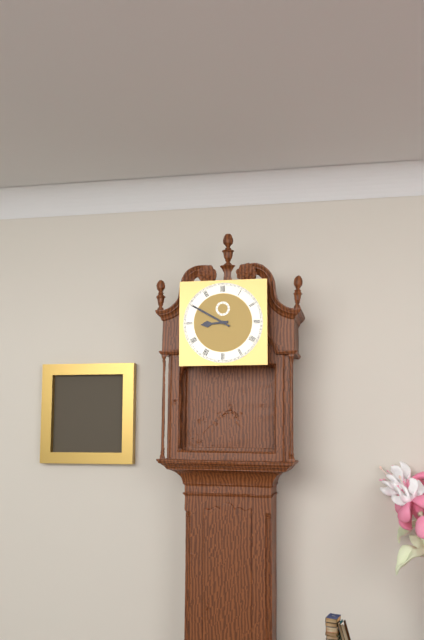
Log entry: 8:50
